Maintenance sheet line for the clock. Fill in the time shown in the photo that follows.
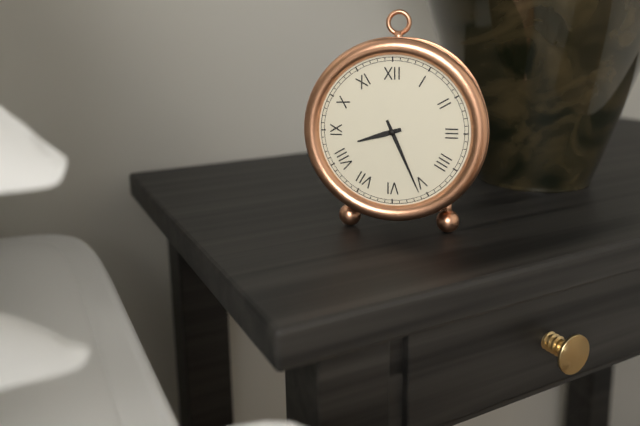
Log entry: 8:26
